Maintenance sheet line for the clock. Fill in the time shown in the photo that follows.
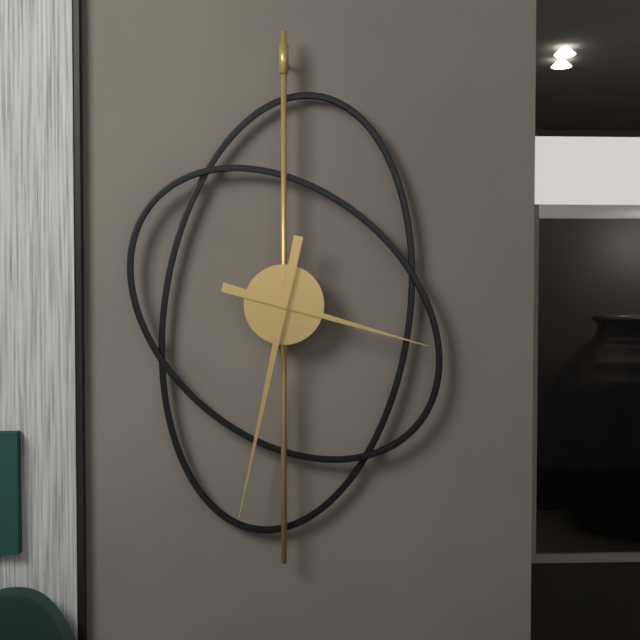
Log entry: 3:32
